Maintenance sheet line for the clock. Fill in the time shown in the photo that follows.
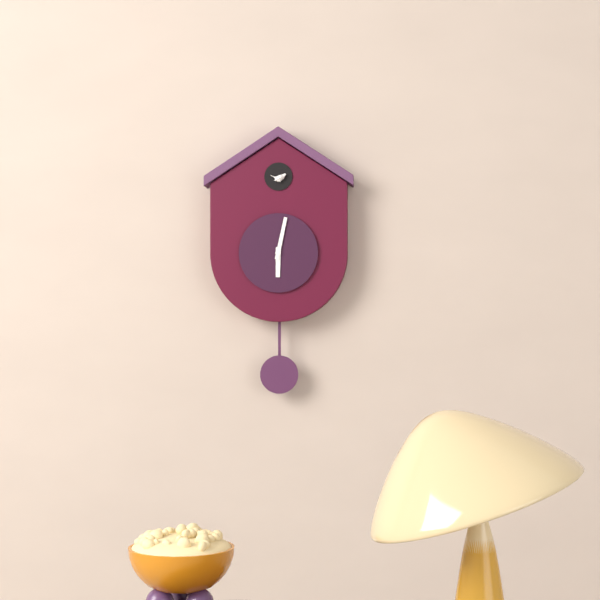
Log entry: 6:02
